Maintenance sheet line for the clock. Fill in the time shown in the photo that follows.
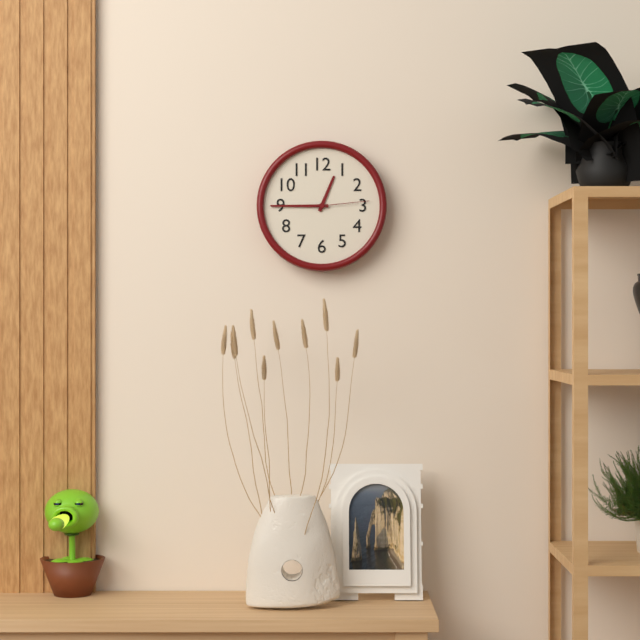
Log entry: 12:45:14
